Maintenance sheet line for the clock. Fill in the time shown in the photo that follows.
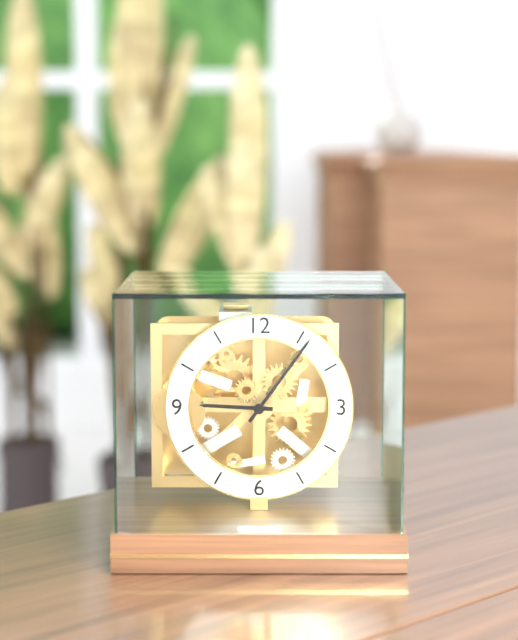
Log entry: 9:06
